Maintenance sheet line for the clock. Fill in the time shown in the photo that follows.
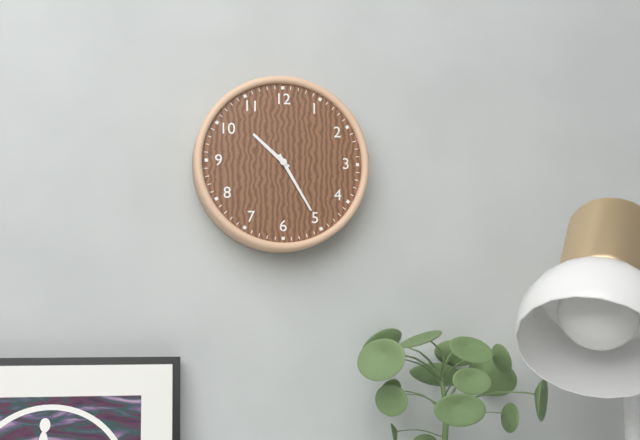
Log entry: 10:25
